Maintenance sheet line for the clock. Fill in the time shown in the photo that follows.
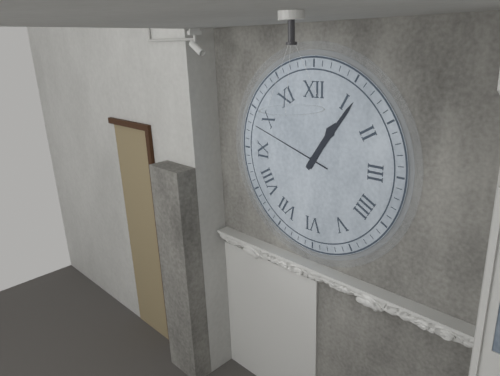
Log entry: 1:06:48
